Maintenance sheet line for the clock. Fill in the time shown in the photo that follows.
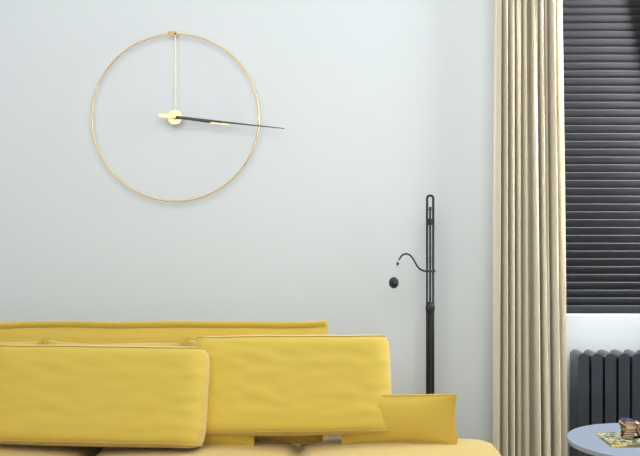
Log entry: 3:16
